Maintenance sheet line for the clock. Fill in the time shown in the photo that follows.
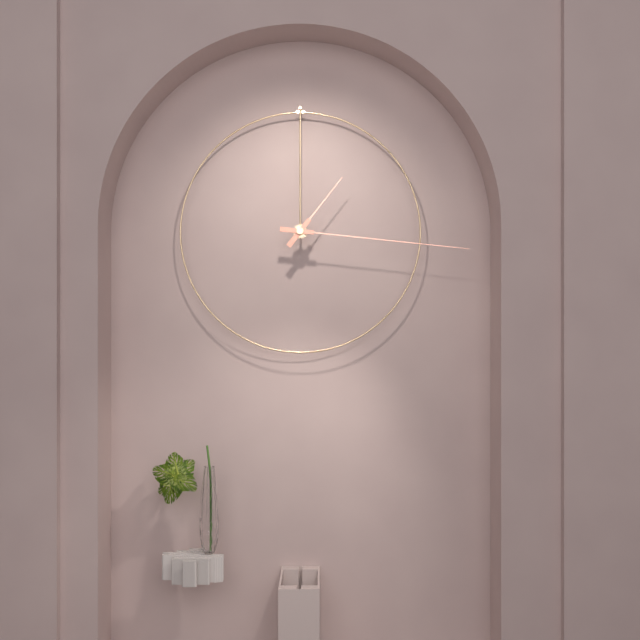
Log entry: 1:16
